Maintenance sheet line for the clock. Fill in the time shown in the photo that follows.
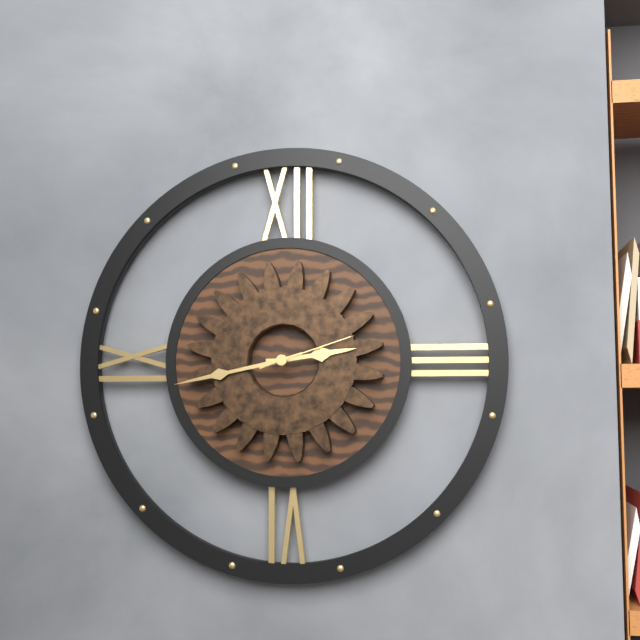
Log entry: 2:43:12
